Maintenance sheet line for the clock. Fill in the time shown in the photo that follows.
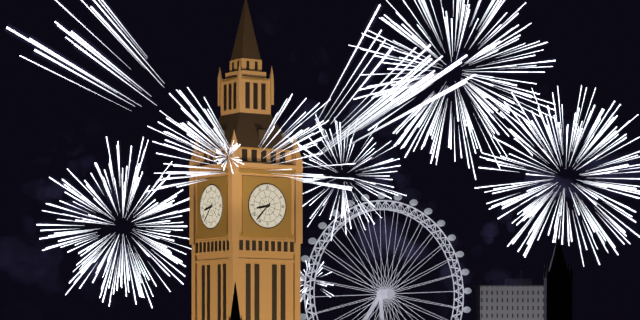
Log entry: 8:37
